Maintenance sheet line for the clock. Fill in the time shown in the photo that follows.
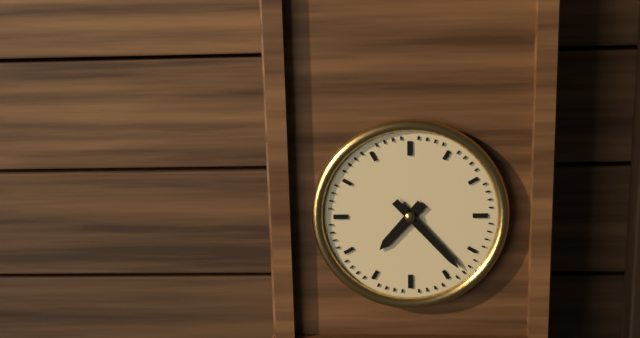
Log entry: 7:23
